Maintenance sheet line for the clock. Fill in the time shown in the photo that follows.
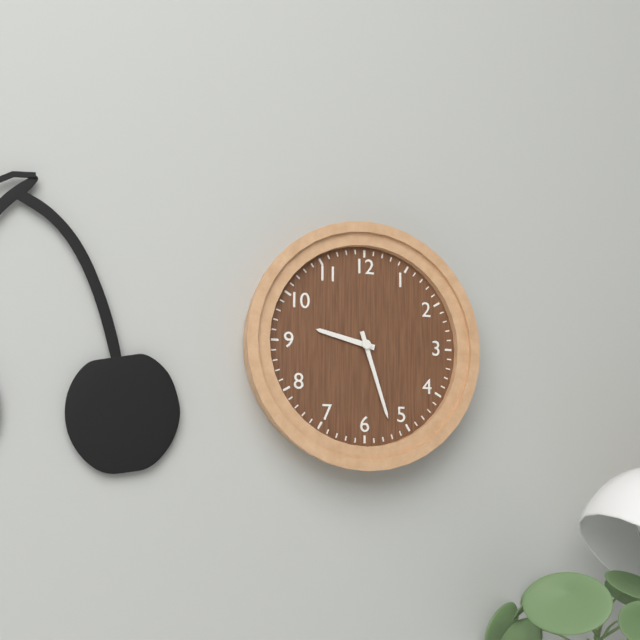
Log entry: 9:27
